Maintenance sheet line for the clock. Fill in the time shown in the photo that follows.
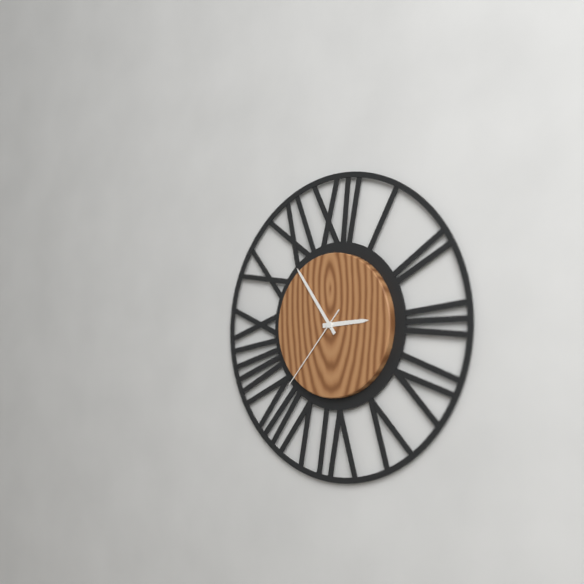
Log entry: 2:54:37
